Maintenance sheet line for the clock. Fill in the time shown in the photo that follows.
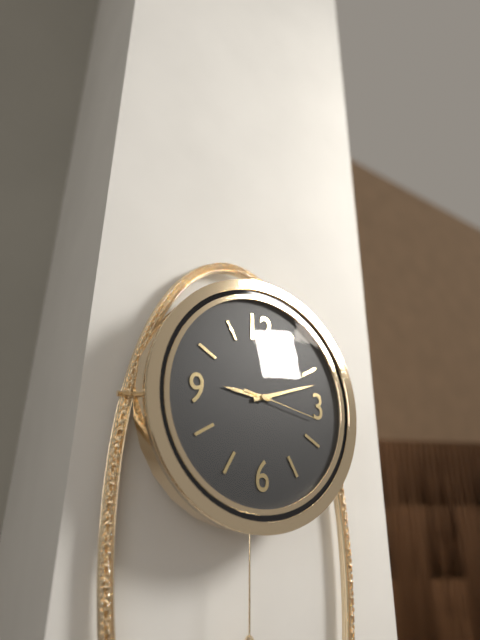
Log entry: 9:12:17
